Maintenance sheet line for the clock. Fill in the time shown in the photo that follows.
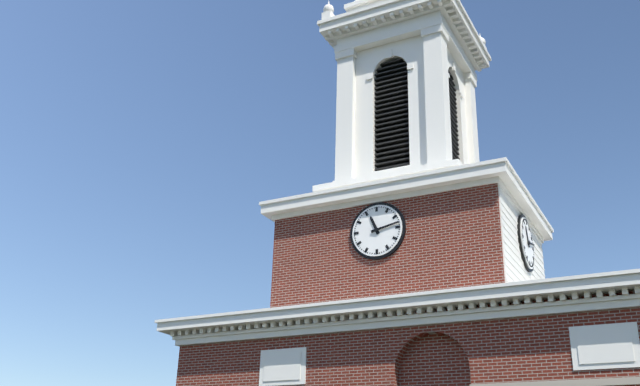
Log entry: 11:13
